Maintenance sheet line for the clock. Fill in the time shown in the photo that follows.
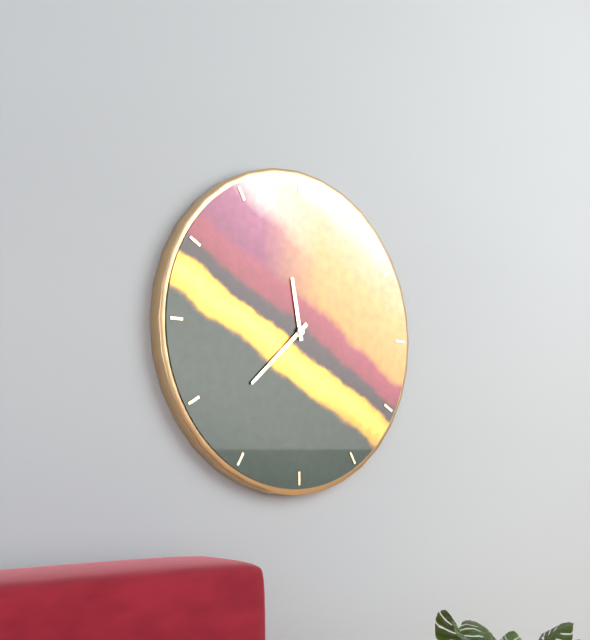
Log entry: 11:38
